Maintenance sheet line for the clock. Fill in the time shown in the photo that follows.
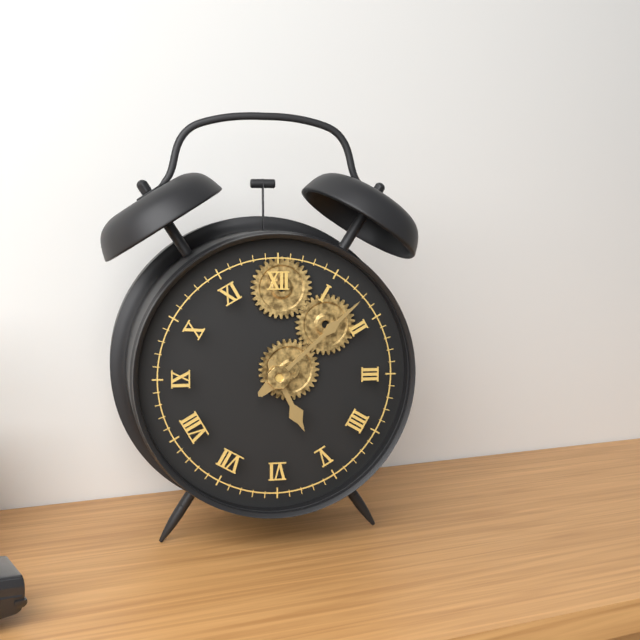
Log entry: 5:08
